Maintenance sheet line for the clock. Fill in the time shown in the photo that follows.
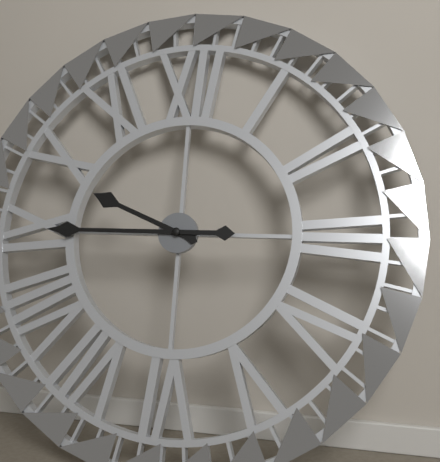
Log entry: 9:45
